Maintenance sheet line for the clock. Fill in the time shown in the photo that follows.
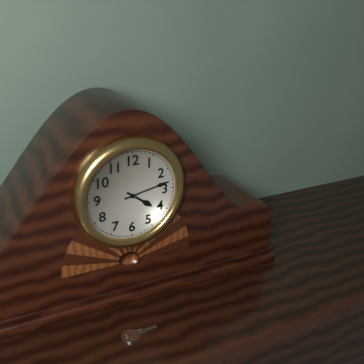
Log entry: 4:13
